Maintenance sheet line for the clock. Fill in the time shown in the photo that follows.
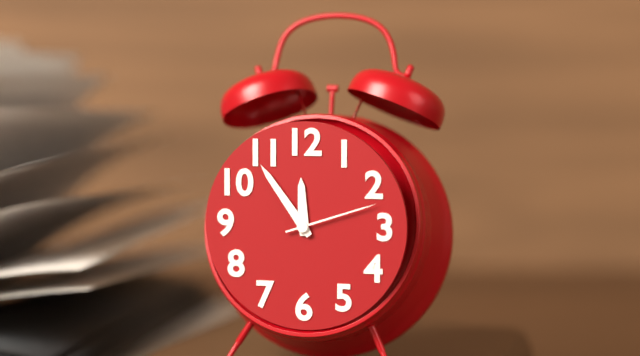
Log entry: 11:54:12
